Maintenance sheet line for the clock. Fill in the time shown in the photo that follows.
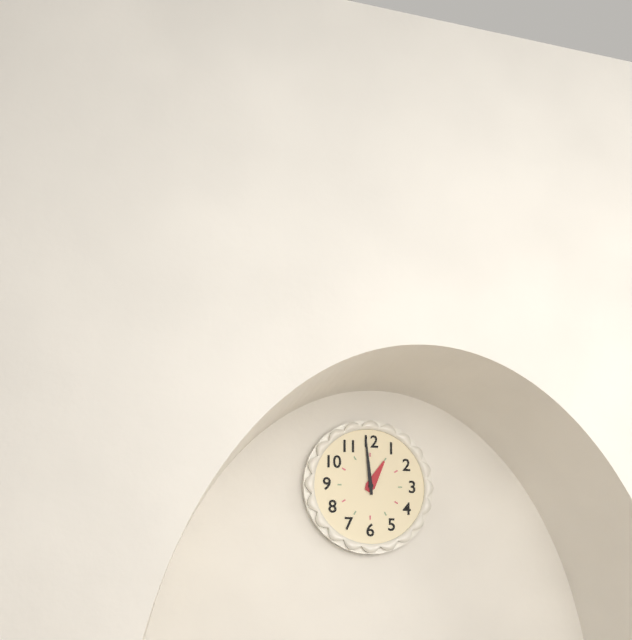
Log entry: 12:59
